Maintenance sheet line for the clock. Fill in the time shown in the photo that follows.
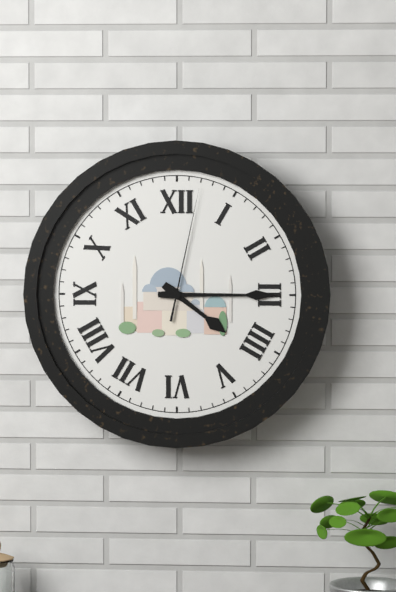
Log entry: 4:15:02
